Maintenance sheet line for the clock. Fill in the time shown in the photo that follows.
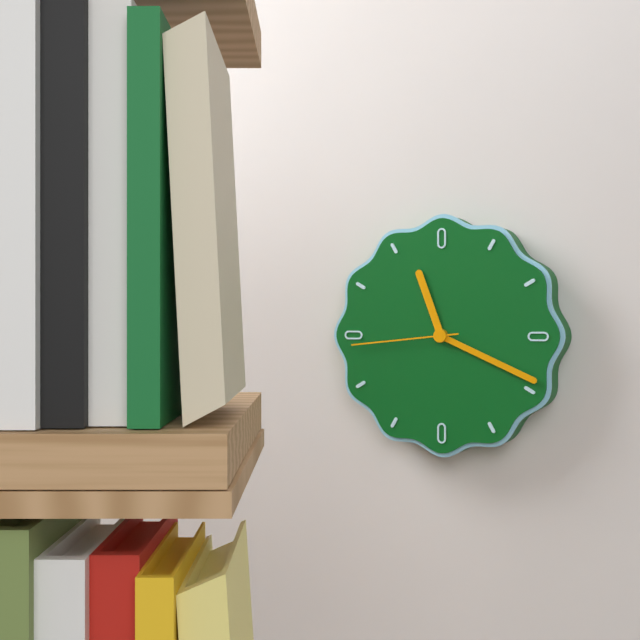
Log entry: 11:19:44
